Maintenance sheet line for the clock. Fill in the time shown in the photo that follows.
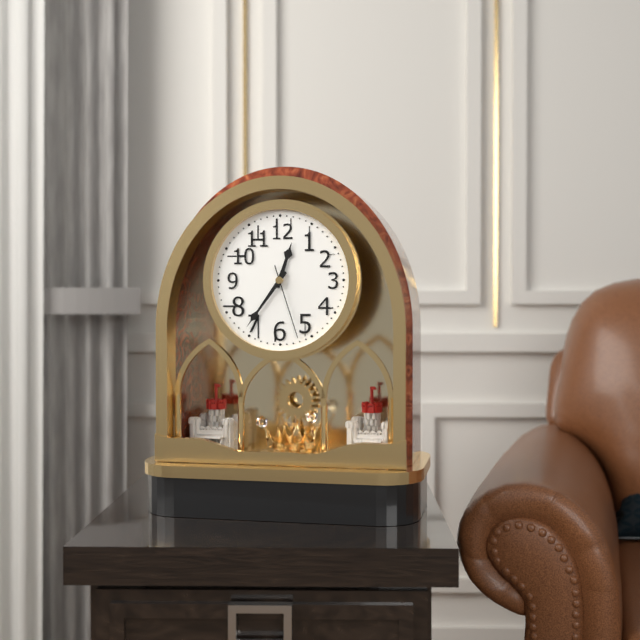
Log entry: 12:36:27
